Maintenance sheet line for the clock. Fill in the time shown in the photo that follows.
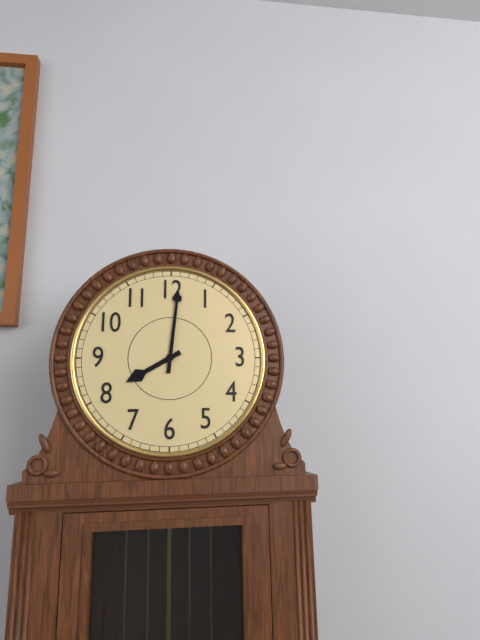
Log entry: 8:01
